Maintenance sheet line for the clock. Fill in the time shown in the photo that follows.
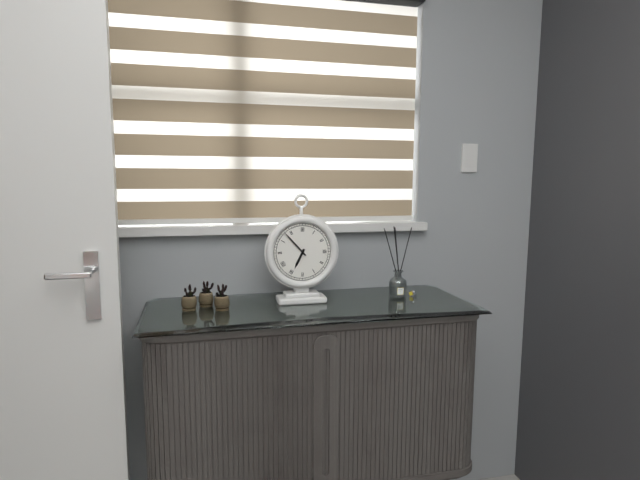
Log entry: 6:53
